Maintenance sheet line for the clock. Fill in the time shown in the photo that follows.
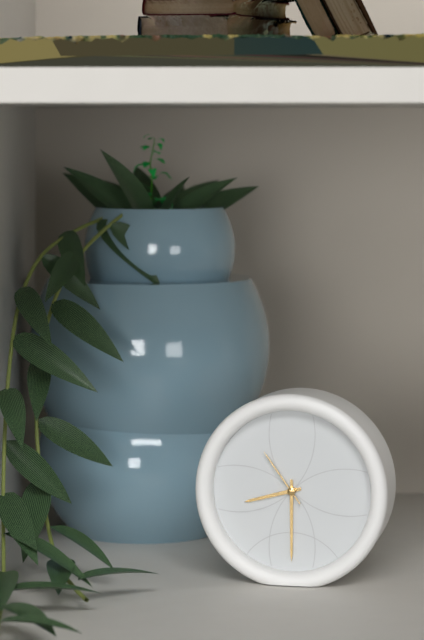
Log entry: 8:30:54
